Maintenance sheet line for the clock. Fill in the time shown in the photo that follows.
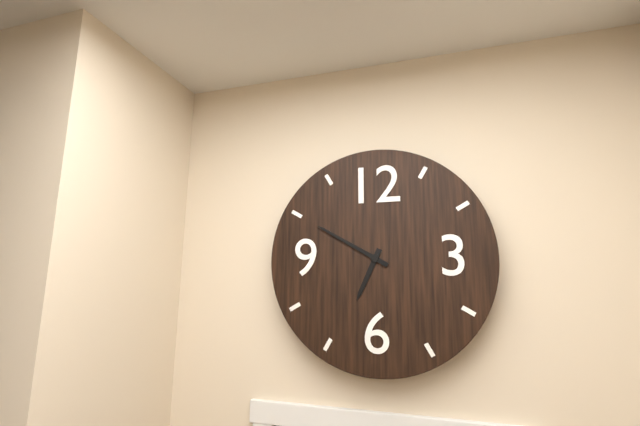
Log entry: 6:50
